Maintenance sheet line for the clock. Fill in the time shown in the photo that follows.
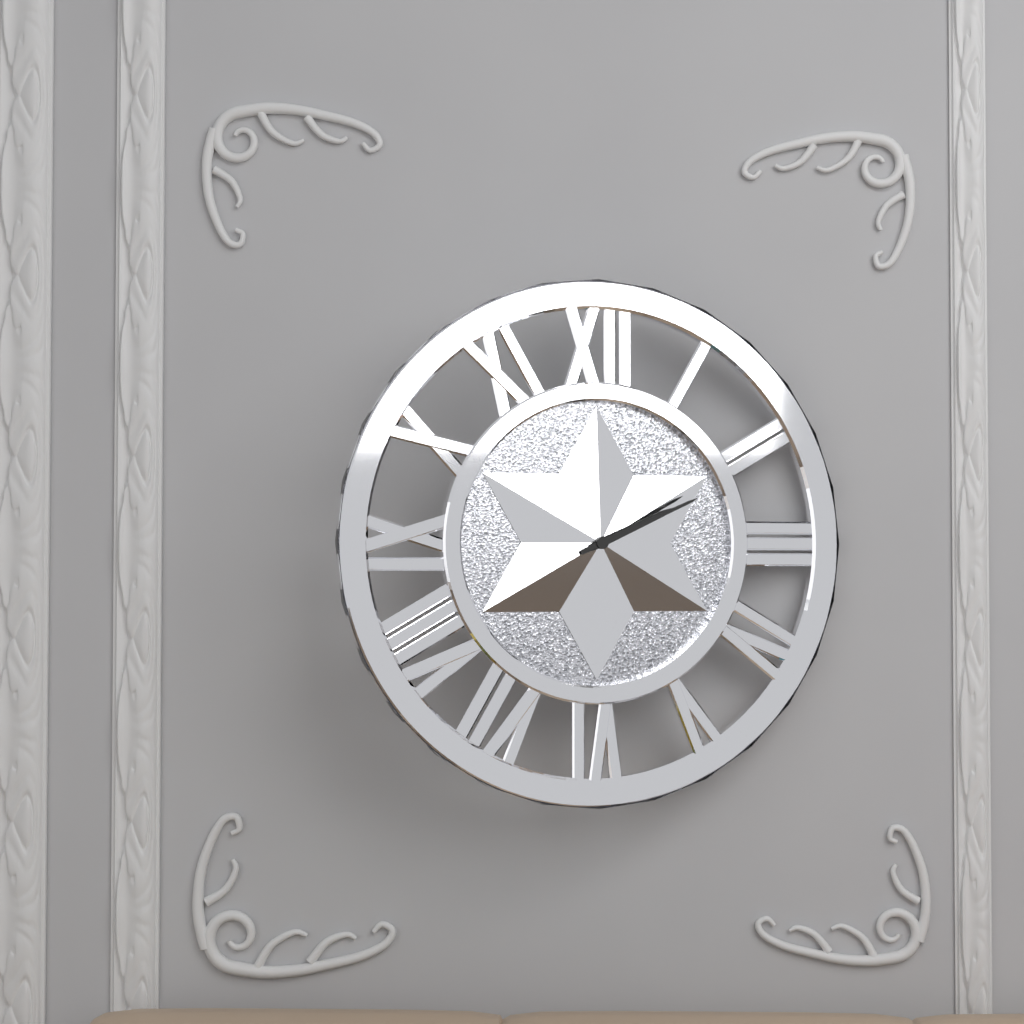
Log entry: 2:11
